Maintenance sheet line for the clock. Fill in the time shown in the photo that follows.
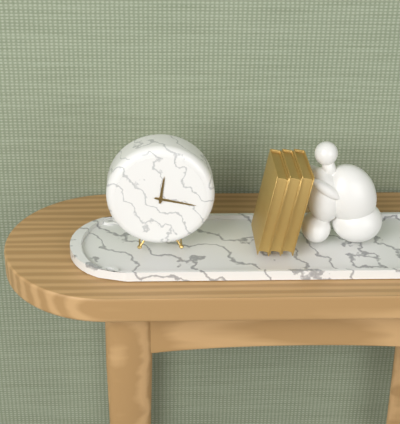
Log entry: 12:17
